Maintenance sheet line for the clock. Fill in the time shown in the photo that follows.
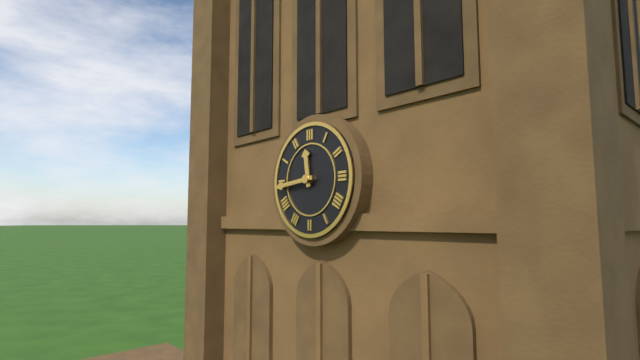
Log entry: 11:44
